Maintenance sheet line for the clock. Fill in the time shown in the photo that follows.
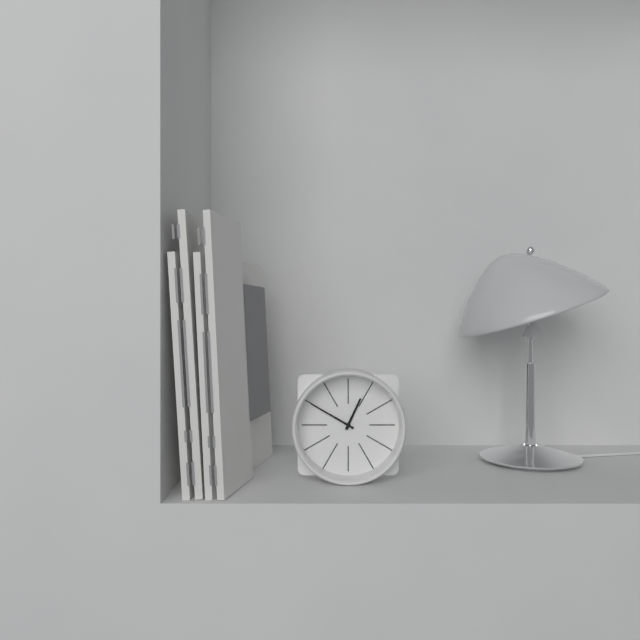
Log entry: 12:50
